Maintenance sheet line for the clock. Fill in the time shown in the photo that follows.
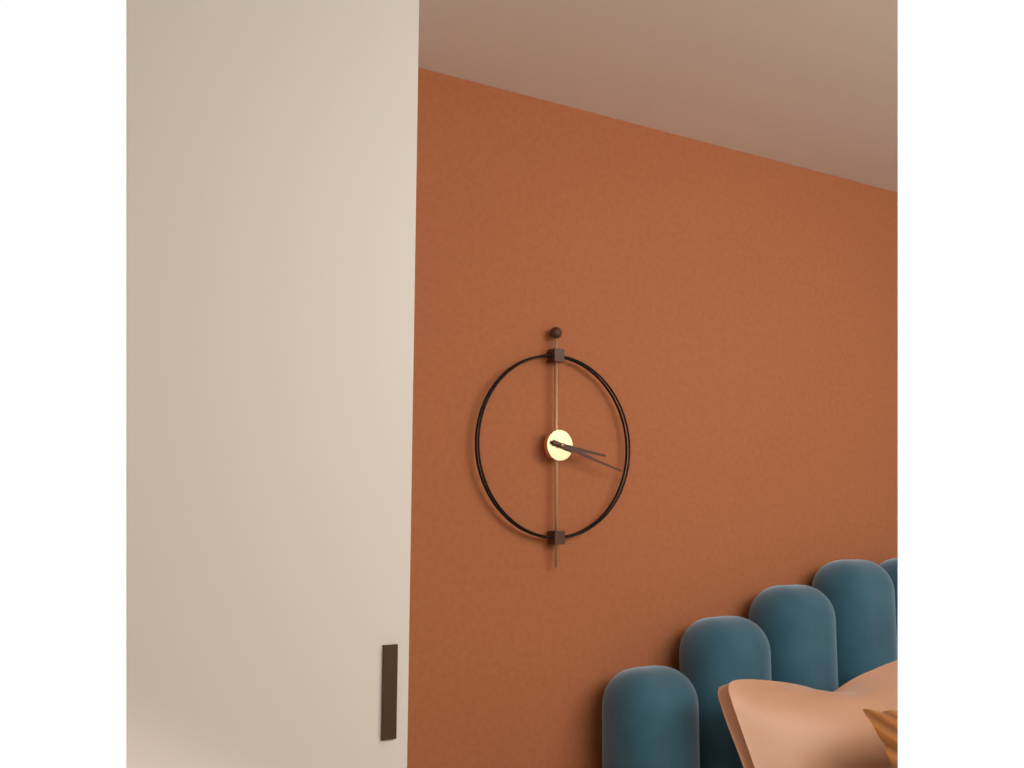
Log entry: 3:18
